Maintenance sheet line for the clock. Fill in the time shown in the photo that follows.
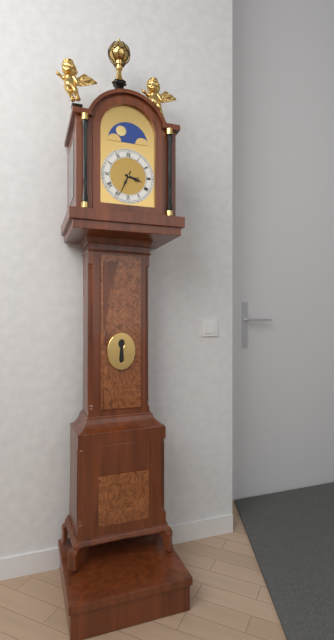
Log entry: 3:34
